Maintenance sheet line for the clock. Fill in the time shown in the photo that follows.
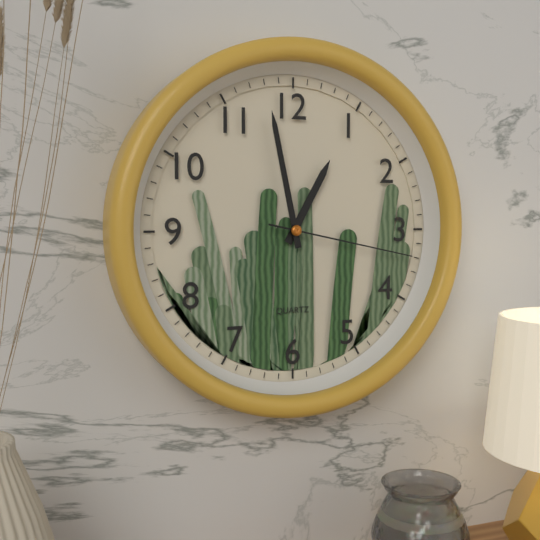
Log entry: 12:58:17
